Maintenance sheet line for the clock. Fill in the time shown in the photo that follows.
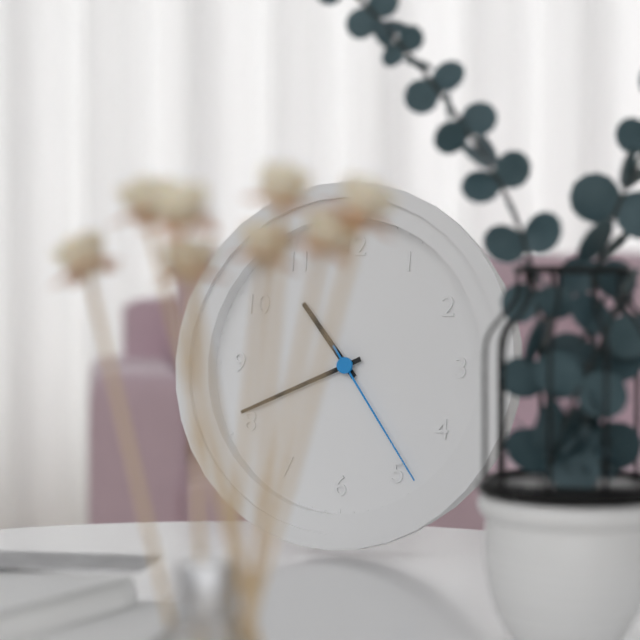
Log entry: 10:41:24
